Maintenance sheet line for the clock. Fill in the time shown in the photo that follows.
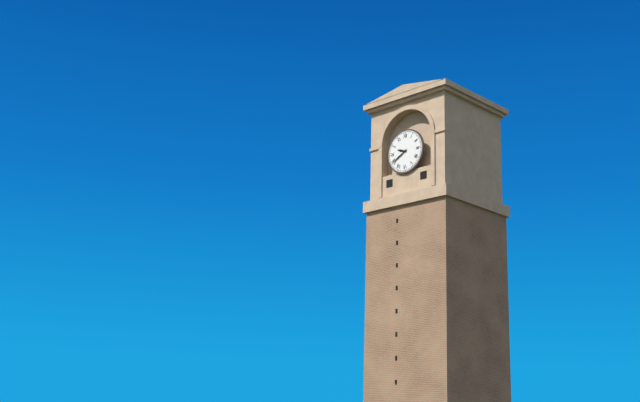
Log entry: 9:40
